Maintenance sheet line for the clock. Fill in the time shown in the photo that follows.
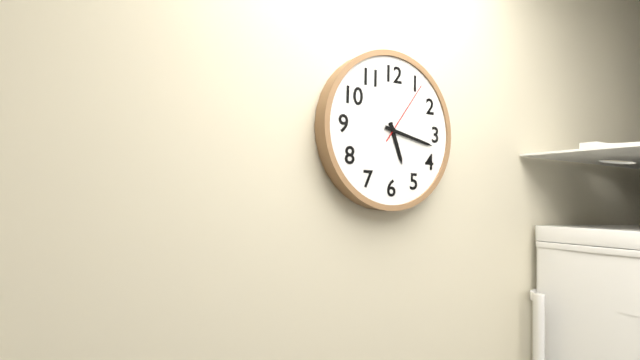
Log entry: 5:17:06
